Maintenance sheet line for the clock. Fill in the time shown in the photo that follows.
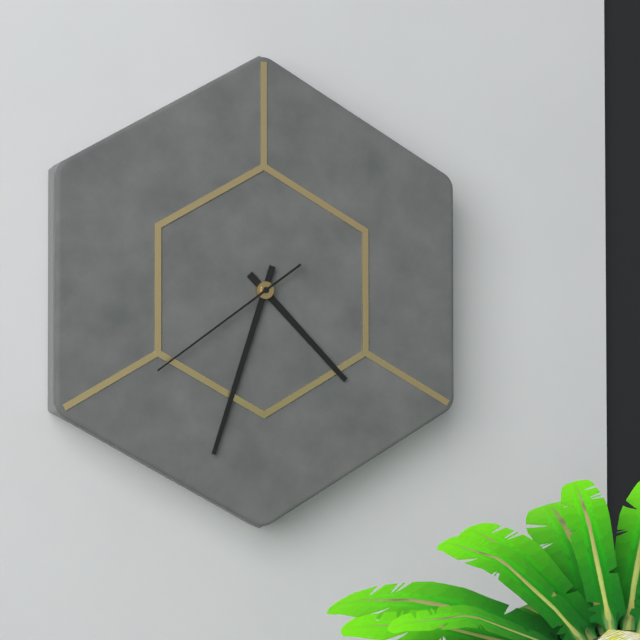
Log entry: 4:33:39
